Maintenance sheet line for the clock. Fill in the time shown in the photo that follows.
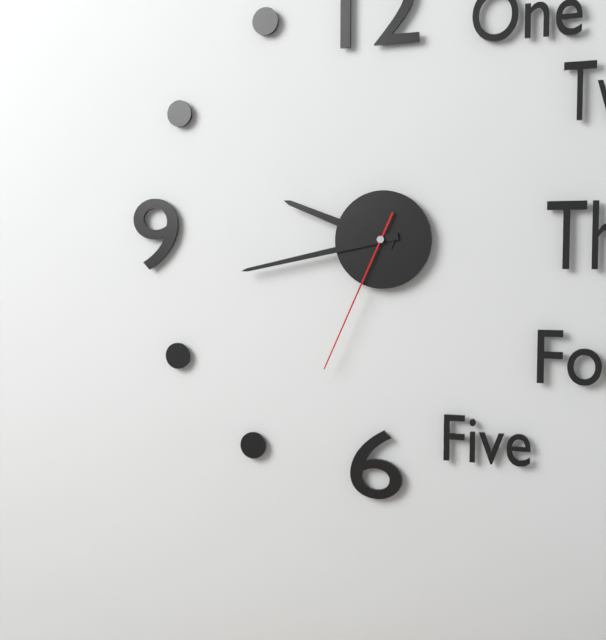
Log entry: 9:43:34
